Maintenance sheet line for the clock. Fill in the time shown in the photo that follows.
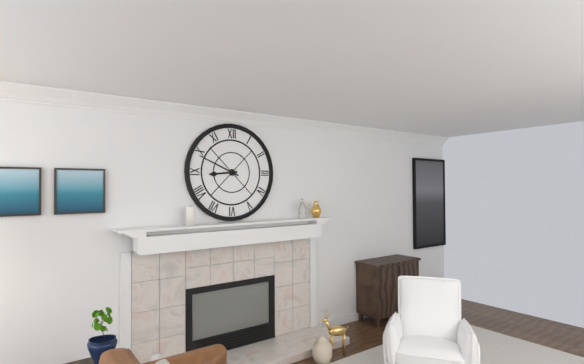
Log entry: 8:49
